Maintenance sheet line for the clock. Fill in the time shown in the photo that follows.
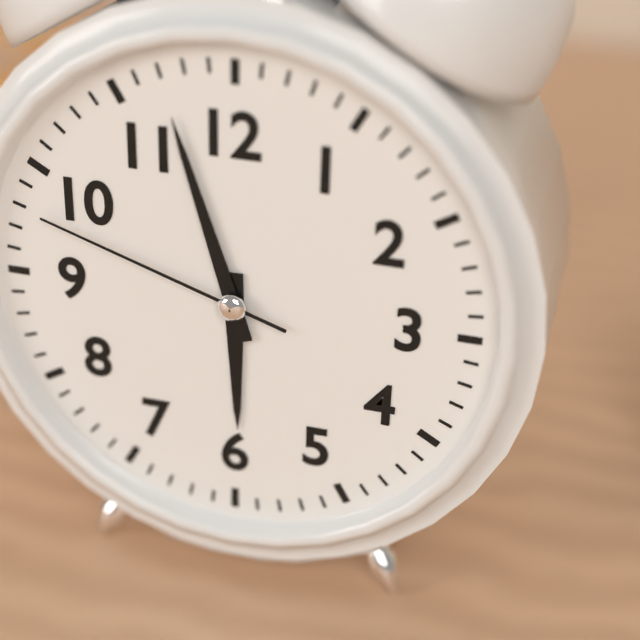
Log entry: 5:57:48
